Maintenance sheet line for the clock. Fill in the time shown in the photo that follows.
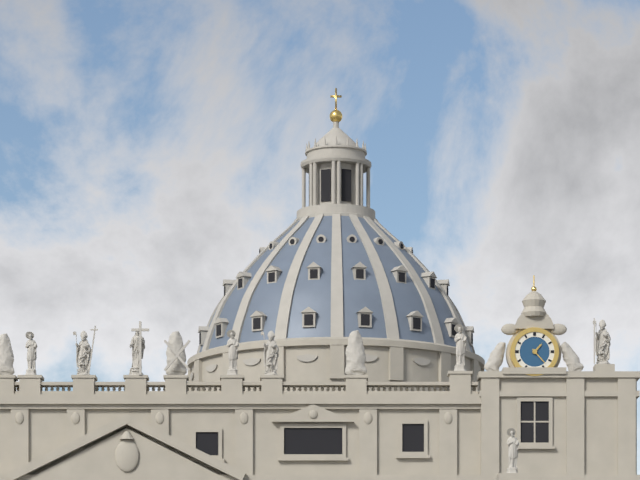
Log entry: 1:23
